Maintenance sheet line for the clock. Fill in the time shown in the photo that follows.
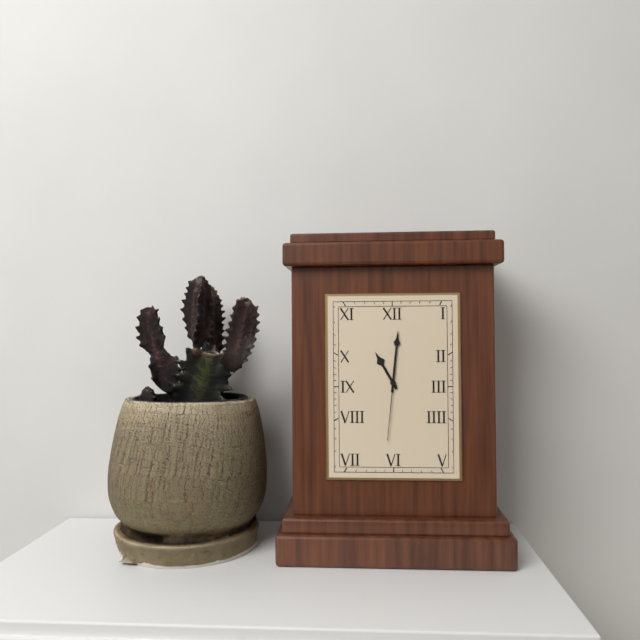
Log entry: 11:01:31
